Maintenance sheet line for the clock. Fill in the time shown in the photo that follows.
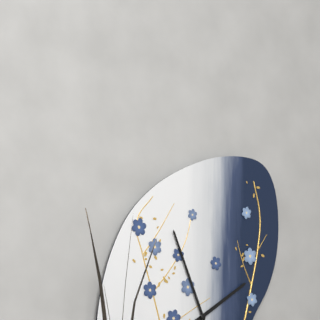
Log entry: 1:56
